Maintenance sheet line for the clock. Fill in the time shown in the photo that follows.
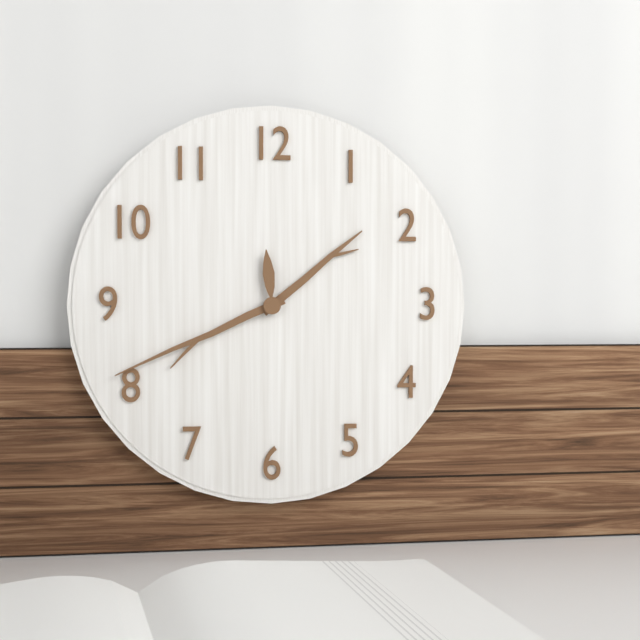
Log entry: 1:41:59
